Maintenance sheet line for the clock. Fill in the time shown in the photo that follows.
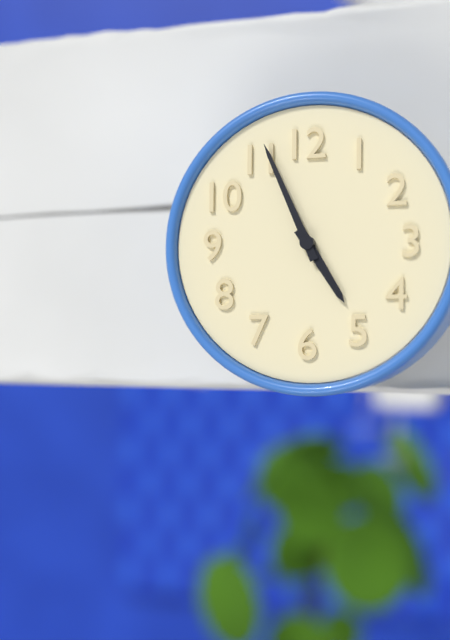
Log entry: 4:56
